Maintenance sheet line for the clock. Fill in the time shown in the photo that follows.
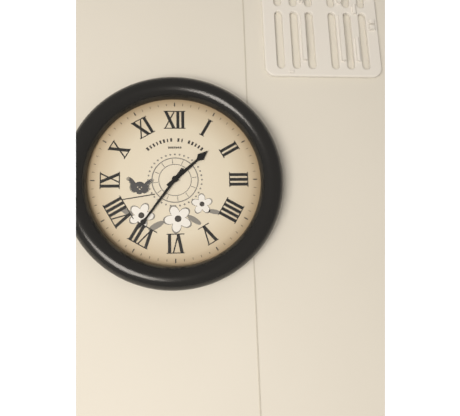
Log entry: 1:36
